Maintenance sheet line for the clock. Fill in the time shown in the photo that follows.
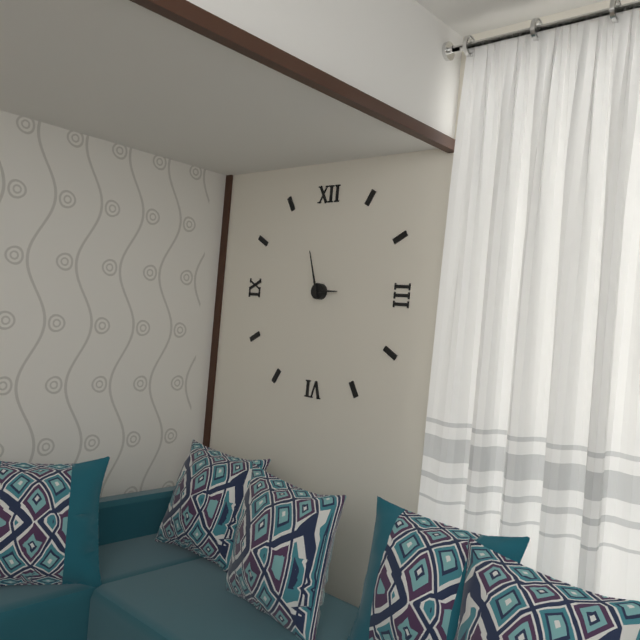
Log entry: 2:57
